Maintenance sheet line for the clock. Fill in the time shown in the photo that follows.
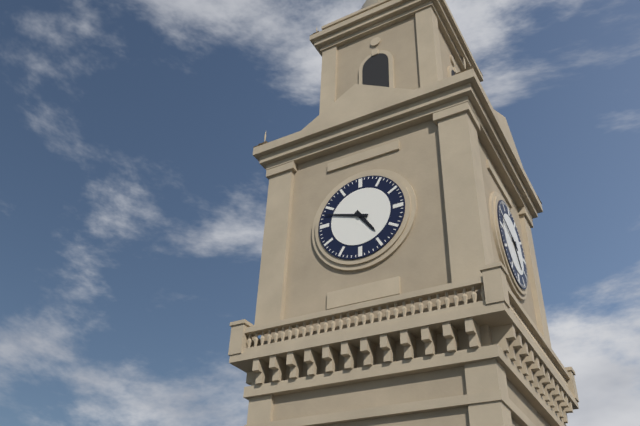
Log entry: 4:48
